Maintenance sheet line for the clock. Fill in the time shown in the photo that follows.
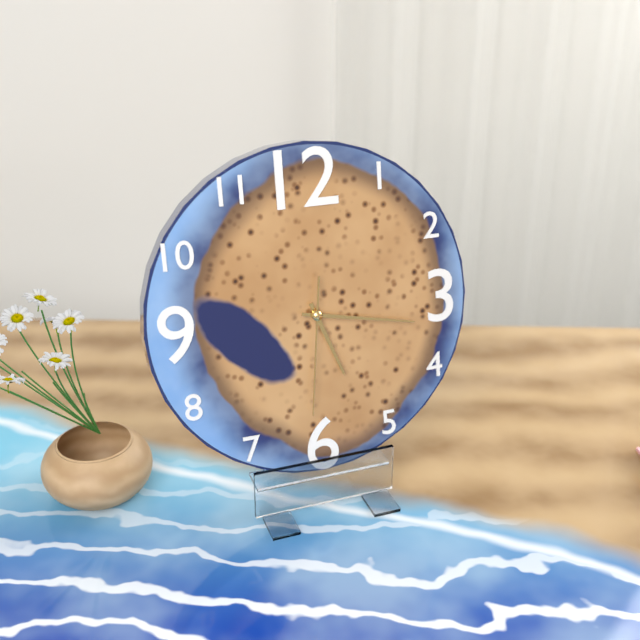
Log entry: 5:17:31
